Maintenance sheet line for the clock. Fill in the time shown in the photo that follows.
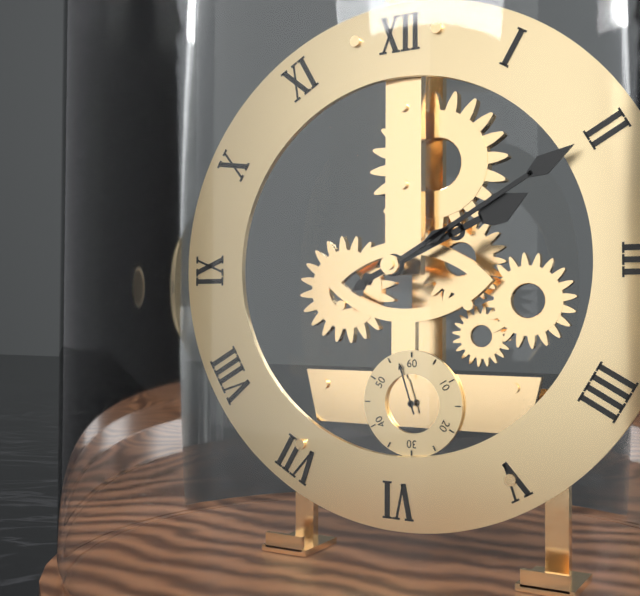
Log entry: 2:10:57
